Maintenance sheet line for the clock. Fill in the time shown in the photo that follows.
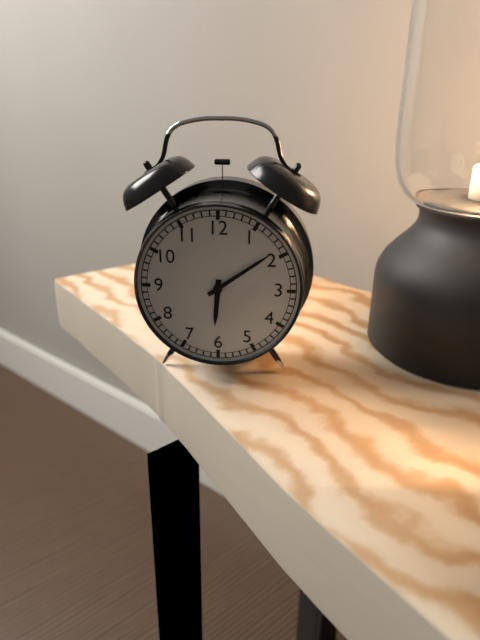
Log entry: 6:09
